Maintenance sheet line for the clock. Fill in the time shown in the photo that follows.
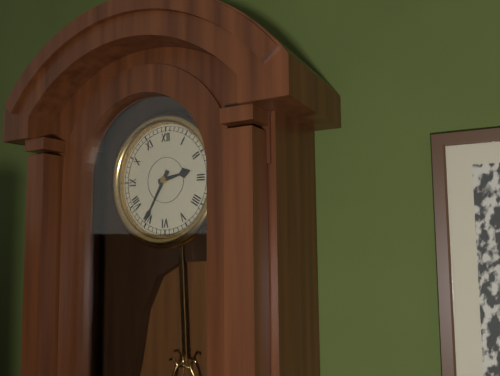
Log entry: 2:35
